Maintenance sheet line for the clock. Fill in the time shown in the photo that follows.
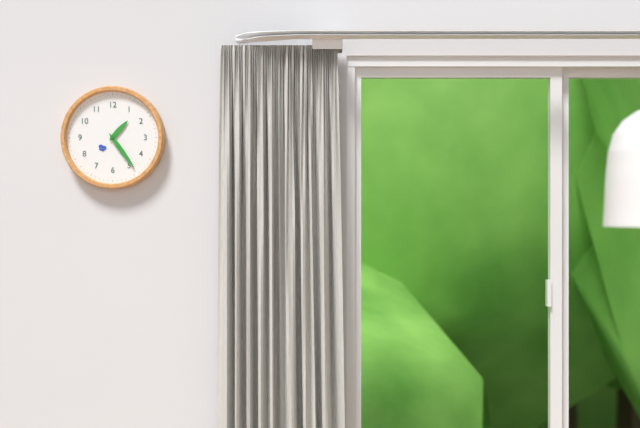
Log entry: 1:24
